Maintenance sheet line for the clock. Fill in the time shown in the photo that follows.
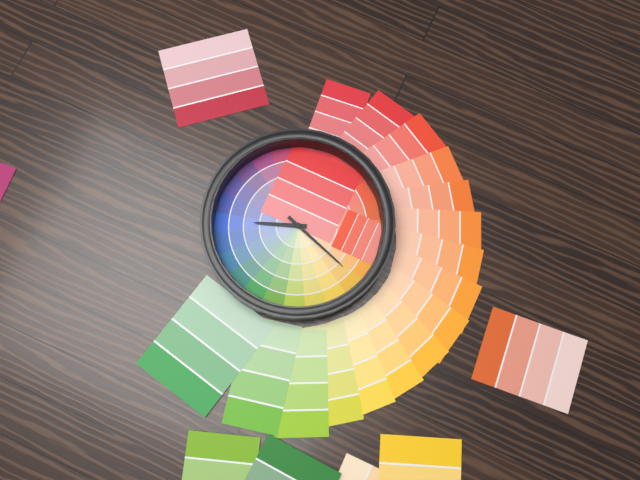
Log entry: 8:18
